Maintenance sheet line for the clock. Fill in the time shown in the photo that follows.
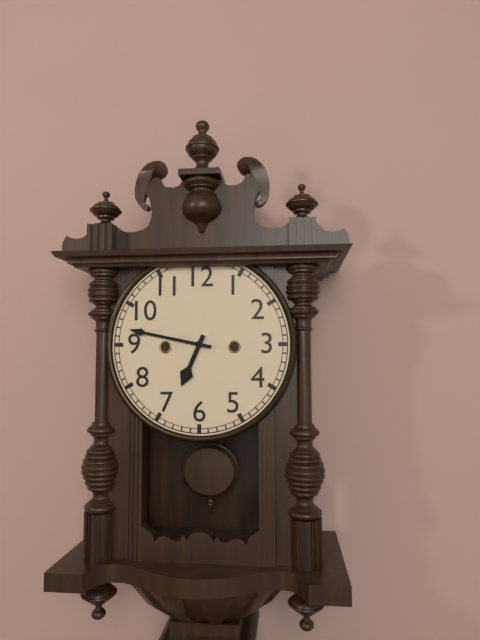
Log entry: 6:47
